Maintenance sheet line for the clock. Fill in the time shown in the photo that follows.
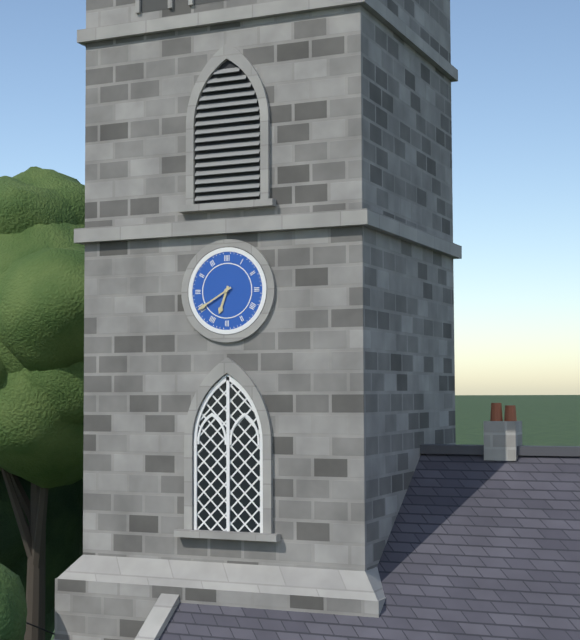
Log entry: 6:40
